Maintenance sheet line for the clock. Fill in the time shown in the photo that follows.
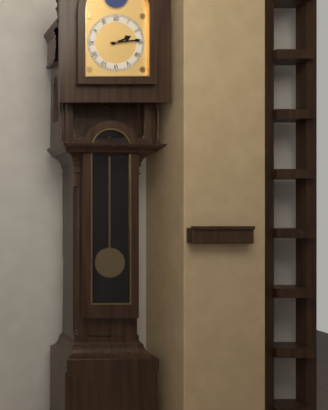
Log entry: 2:14
